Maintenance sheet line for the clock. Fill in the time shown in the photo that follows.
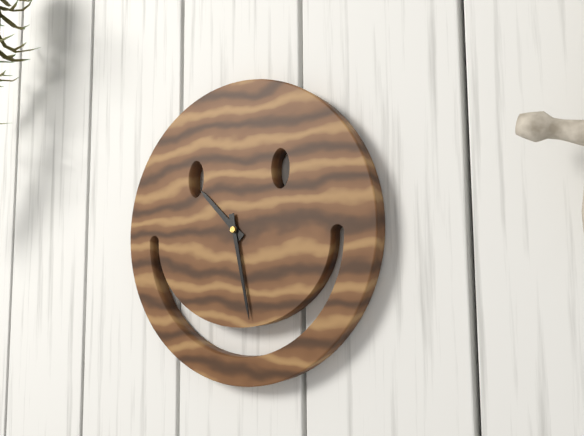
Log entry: 10:28
